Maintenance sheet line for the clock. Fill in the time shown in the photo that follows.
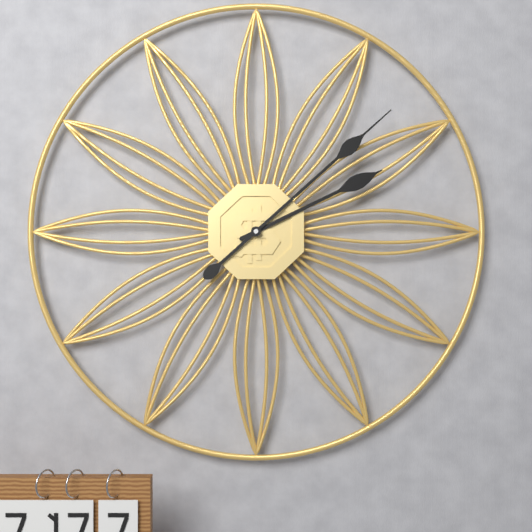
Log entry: 2:08
